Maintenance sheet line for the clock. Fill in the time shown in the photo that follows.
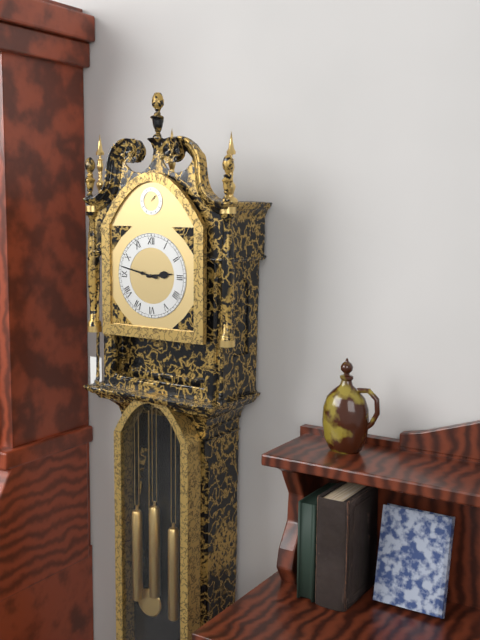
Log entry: 2:47
